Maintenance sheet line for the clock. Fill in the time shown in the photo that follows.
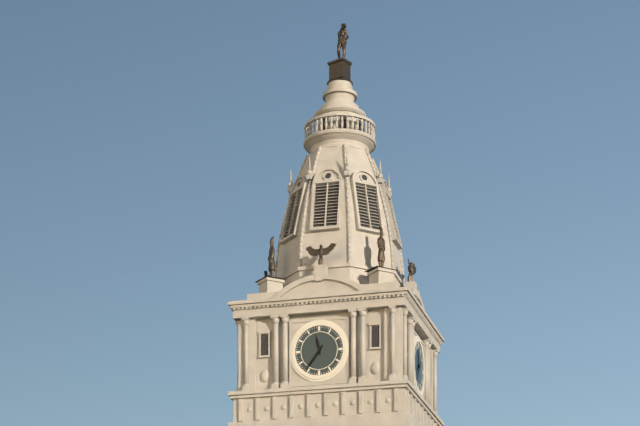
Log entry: 11:36
